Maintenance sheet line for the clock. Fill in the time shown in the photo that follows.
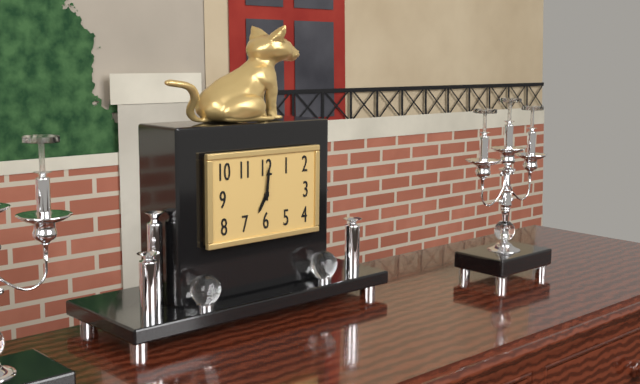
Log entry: 7:01
